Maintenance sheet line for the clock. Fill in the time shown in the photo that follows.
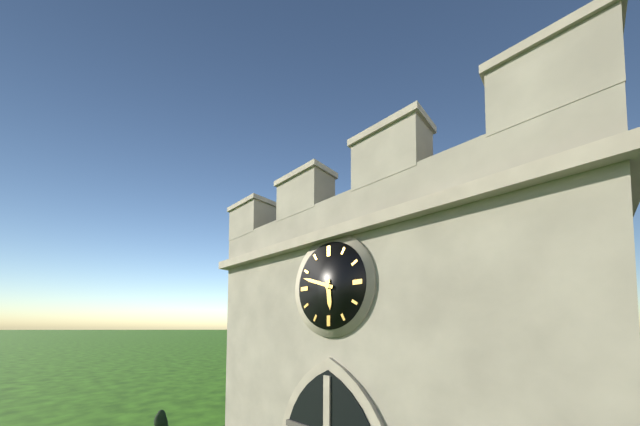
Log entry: 5:48
